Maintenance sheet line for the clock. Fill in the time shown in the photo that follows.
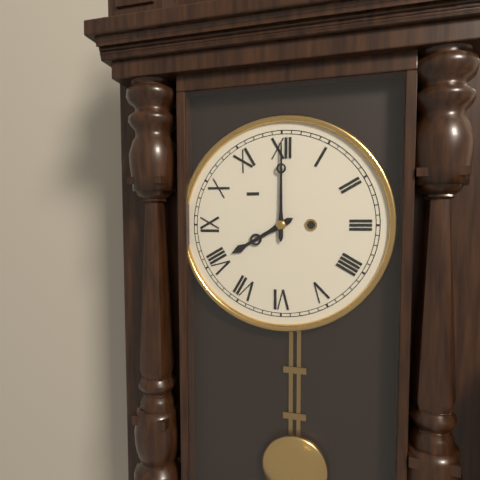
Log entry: 8:00
